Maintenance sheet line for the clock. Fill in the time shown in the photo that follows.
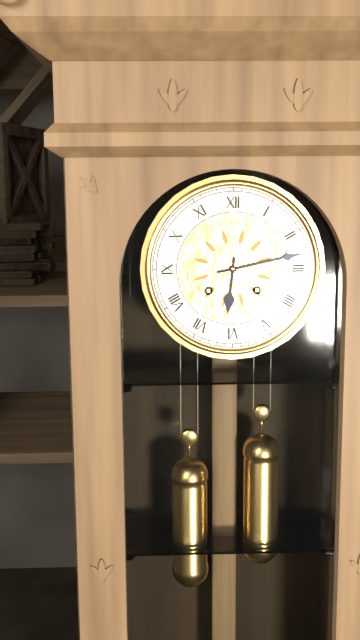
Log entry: 6:13
